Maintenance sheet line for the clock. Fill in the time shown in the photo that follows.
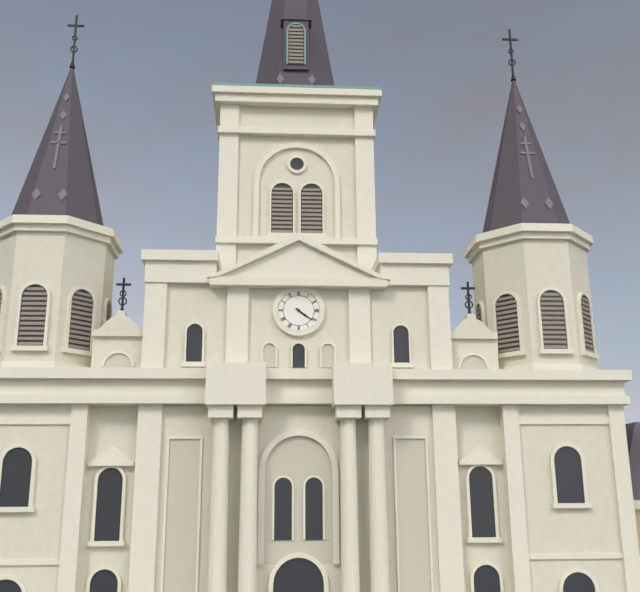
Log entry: 4:21
